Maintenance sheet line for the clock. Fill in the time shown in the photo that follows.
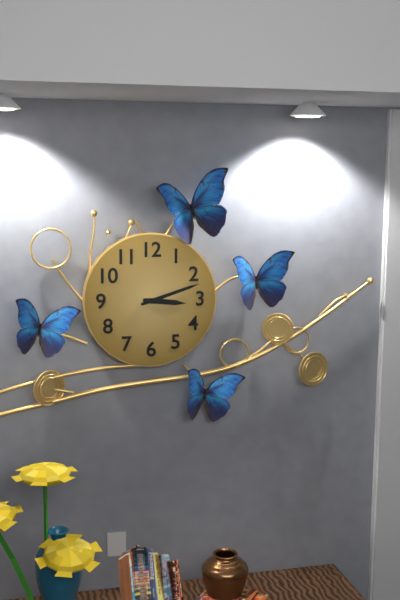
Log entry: 3:12
